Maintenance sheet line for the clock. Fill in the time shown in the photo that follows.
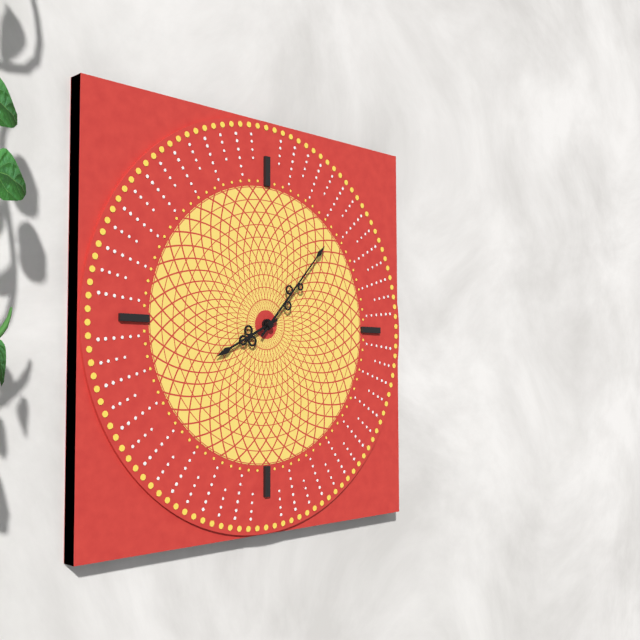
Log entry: 8:07
